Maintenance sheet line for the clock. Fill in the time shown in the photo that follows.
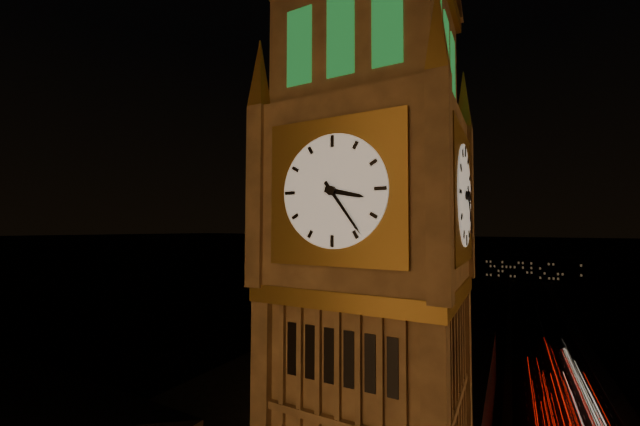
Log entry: 3:24
